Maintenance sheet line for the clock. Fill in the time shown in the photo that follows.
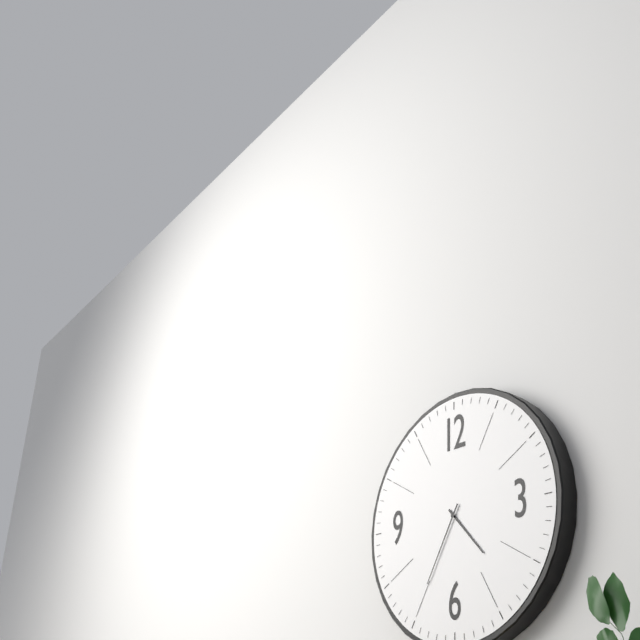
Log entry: 4:35
